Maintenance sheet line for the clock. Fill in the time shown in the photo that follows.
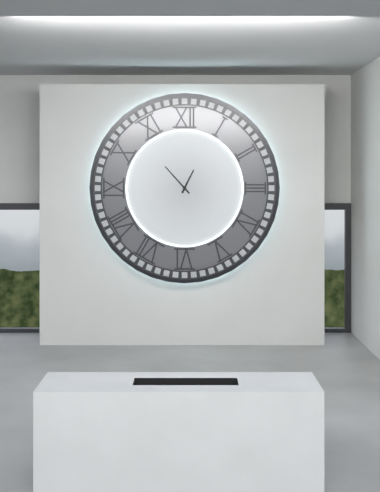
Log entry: 12:53
